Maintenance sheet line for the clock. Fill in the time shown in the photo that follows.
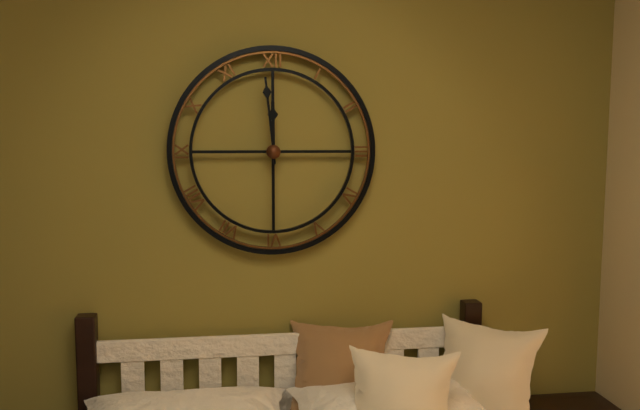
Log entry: 11:59
